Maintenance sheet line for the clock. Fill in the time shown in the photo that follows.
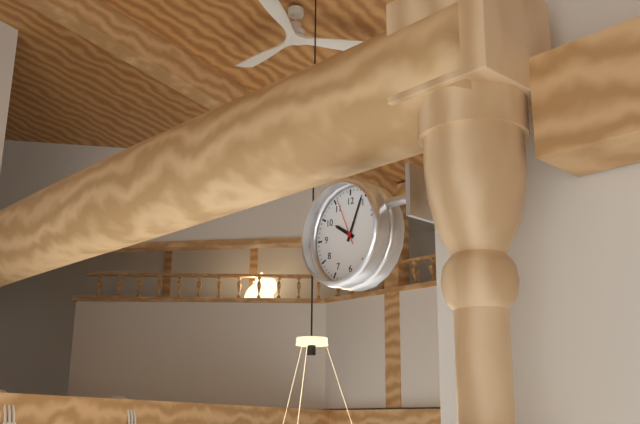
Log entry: 10:04
